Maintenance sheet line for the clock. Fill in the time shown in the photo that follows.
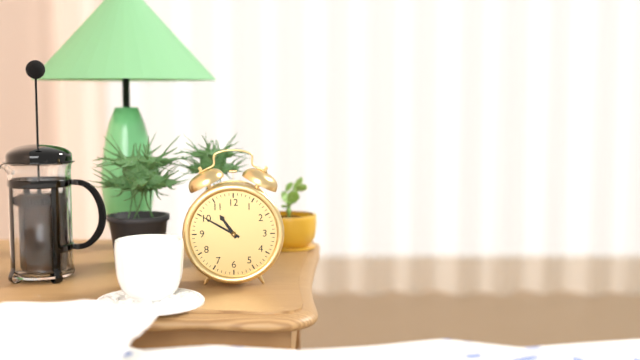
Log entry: 10:50
